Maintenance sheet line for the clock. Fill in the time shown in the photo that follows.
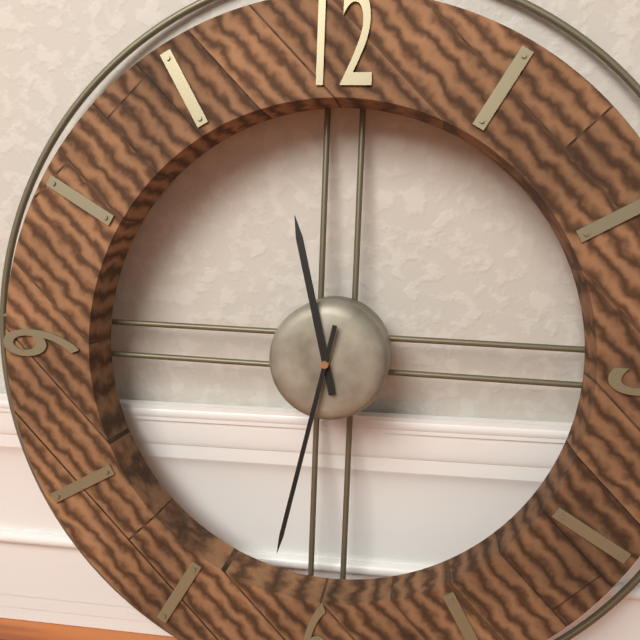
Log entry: 11:32
